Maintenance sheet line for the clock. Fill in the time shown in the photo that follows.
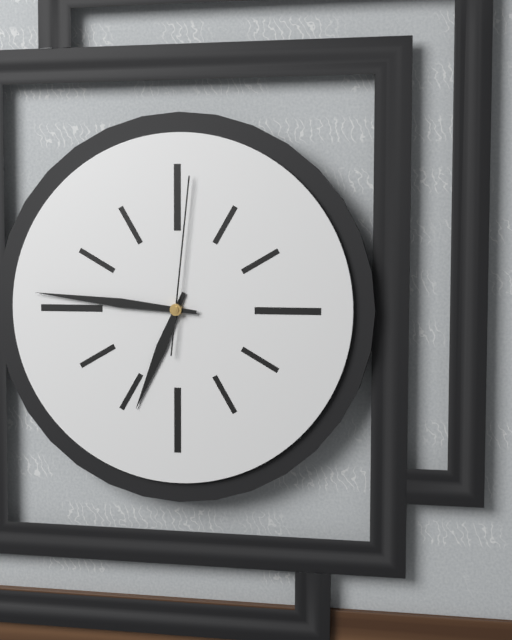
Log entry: 6:46:01
